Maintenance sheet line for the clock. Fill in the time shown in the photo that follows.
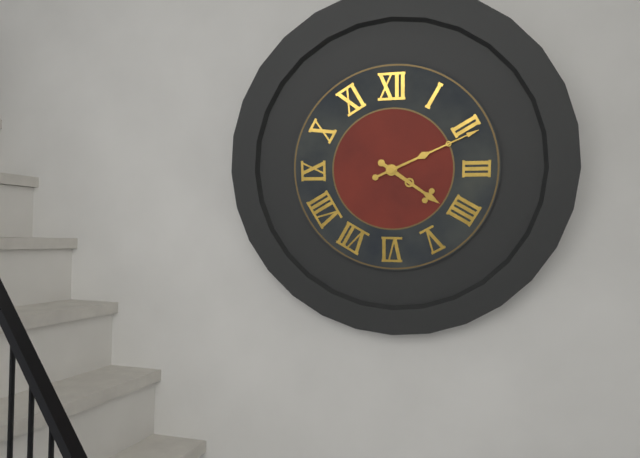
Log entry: 4:11
